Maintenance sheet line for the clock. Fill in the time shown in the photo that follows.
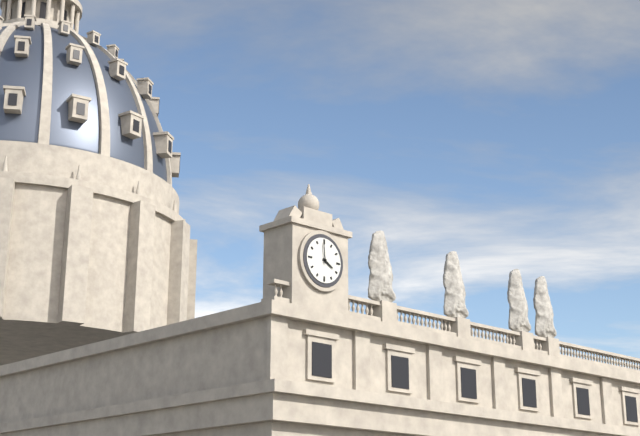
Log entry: 3:59
